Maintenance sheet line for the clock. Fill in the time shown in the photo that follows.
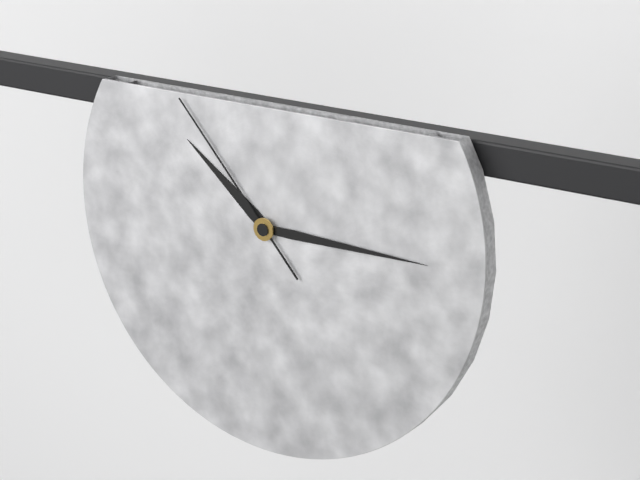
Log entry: 10:15:53
